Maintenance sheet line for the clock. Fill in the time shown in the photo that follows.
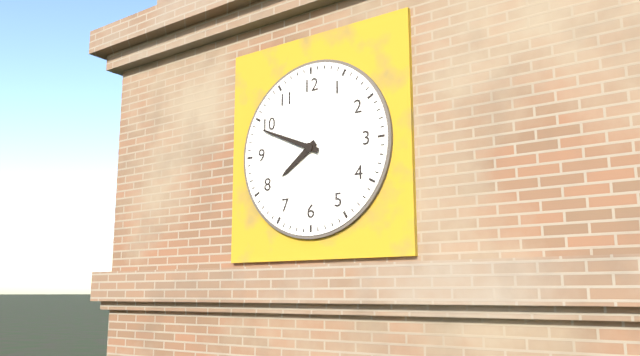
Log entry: 7:49
